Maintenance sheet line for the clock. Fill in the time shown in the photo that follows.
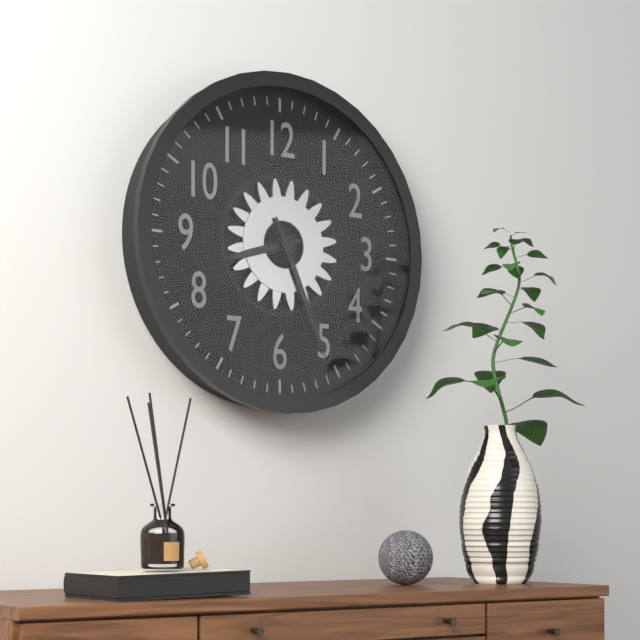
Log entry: 8:26
